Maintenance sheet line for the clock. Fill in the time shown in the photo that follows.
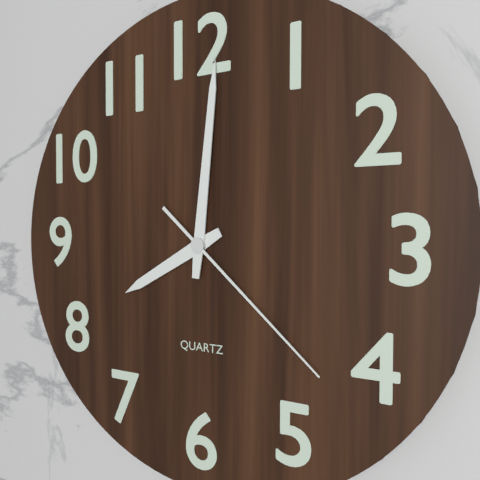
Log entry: 8:01:22
